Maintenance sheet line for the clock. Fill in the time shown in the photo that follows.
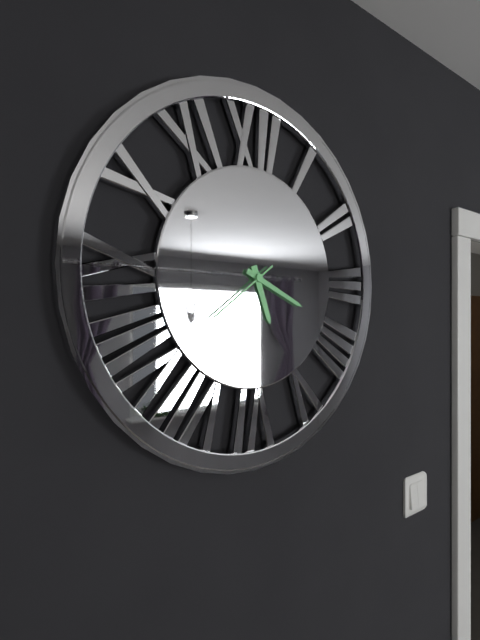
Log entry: 5:19:39
